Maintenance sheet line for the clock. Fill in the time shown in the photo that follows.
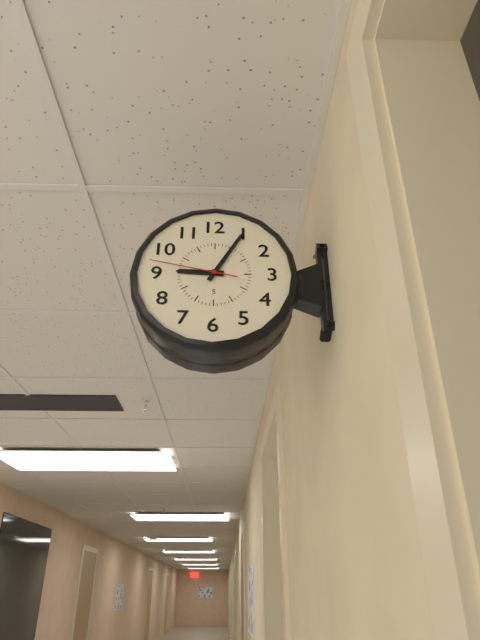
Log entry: 9:05:47
